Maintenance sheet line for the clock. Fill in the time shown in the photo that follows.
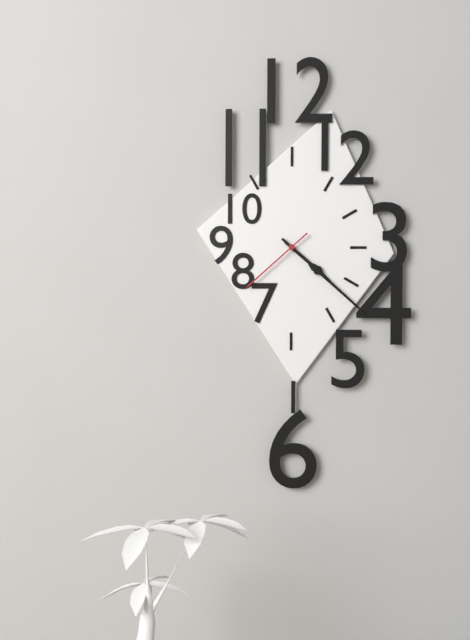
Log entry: 4:22:38
